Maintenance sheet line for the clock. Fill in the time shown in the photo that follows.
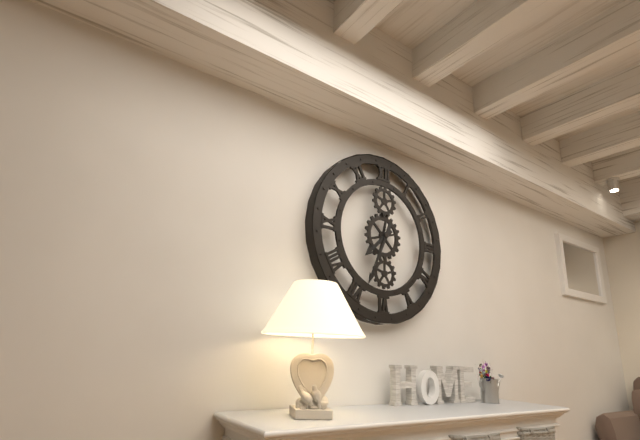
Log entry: 7:34
